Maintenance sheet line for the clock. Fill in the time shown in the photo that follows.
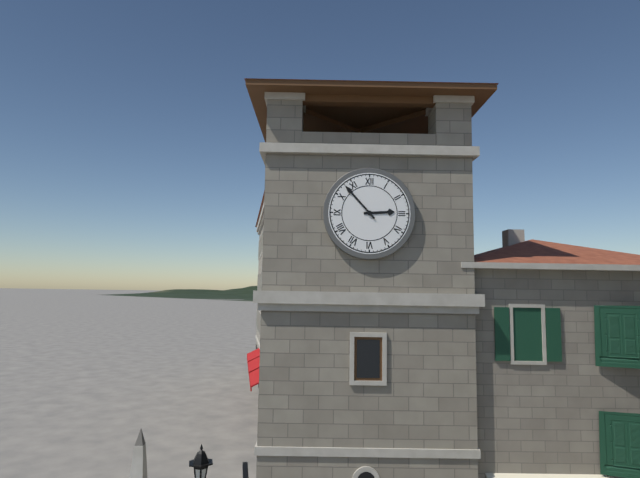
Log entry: 2:53
